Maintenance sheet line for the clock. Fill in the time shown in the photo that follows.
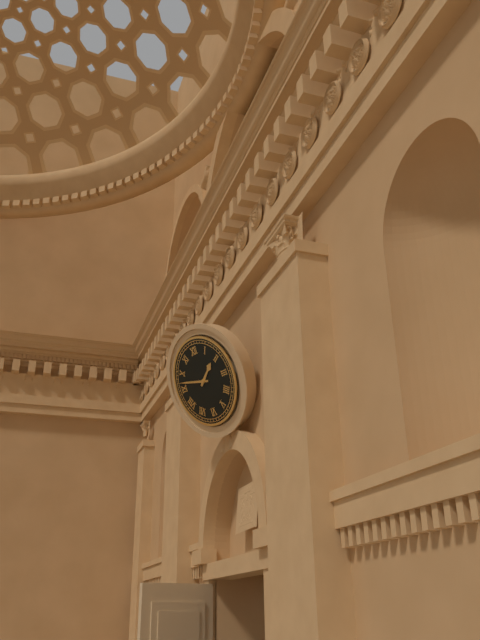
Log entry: 1:47
